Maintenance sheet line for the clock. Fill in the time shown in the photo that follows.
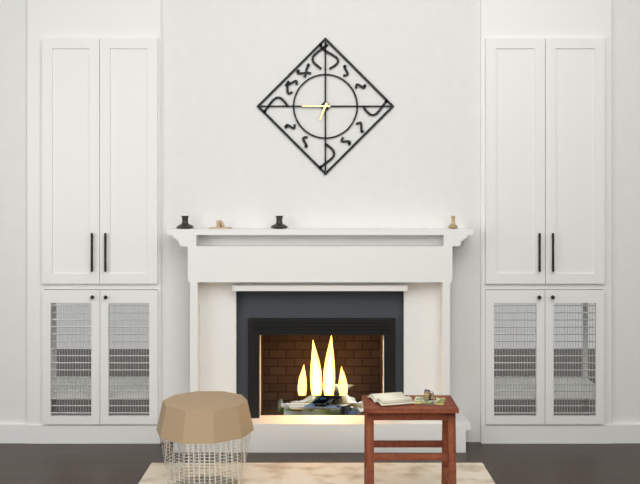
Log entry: 6:45
